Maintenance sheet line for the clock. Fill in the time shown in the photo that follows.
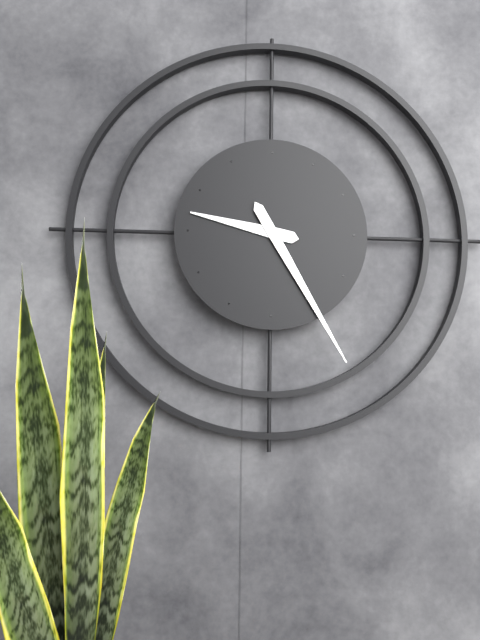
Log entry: 9:25
